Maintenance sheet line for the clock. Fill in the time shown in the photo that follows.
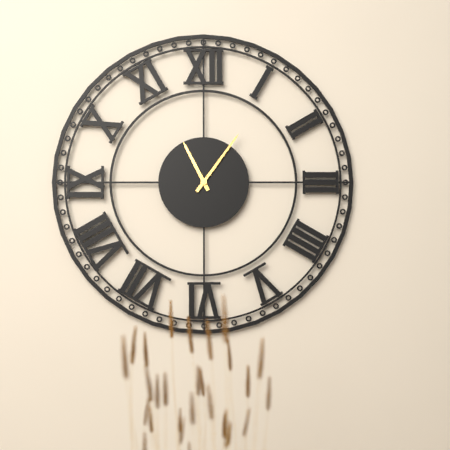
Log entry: 11:06
